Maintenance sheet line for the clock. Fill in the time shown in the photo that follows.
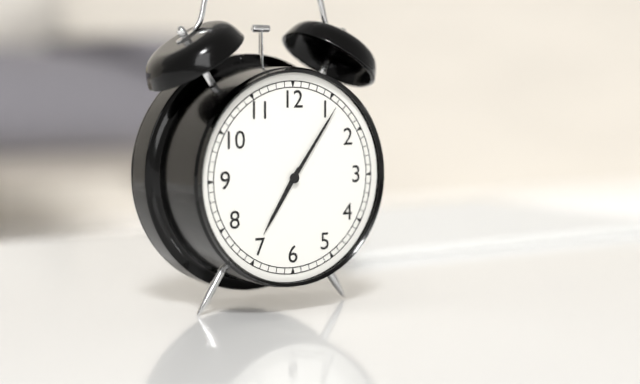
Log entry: 7:06
